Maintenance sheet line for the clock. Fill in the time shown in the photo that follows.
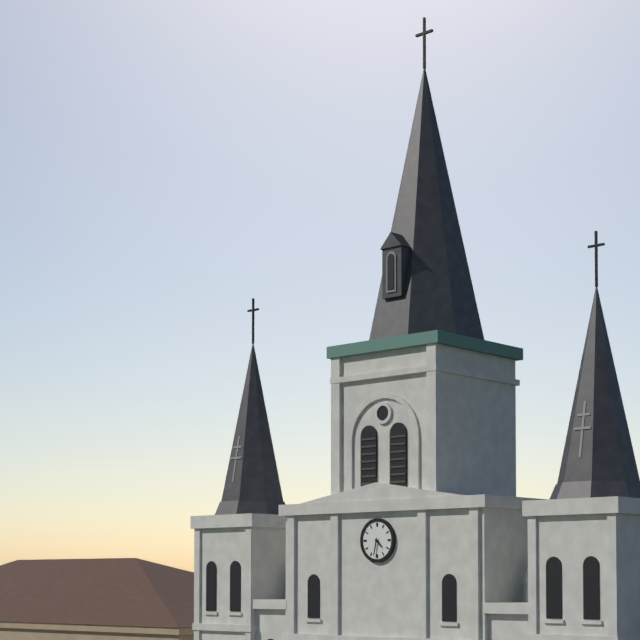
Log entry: 4:32
